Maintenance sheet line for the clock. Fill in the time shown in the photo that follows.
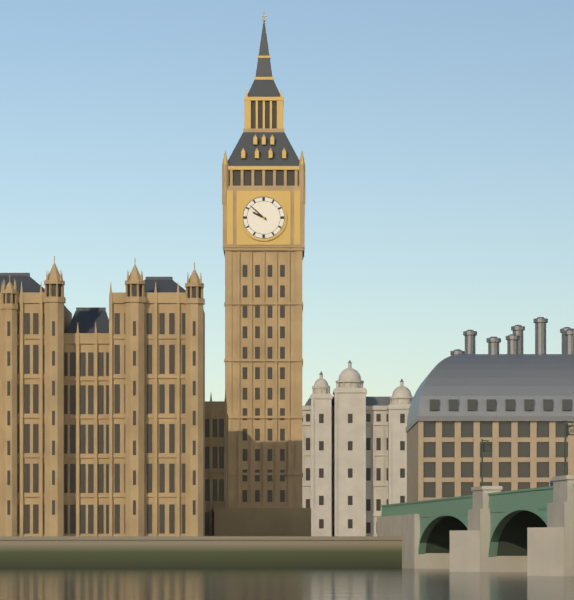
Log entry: 9:52
